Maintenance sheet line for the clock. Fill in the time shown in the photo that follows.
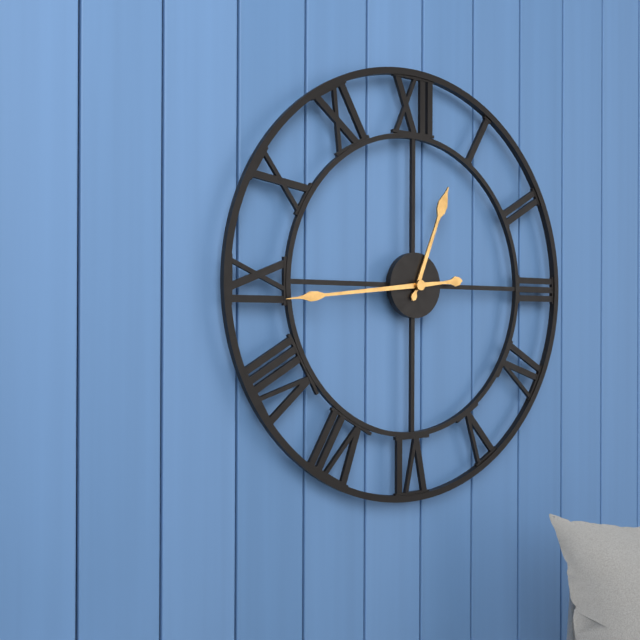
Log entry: 12:44
